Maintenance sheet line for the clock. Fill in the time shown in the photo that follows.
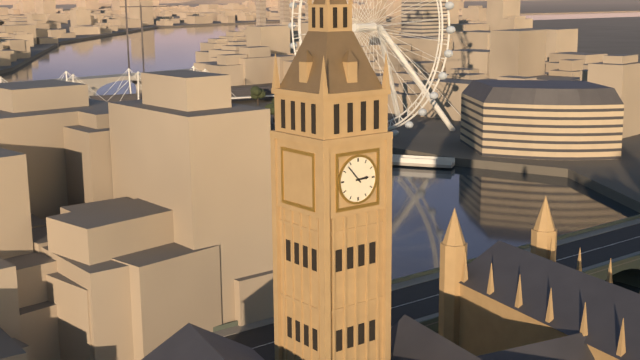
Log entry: 2:53
